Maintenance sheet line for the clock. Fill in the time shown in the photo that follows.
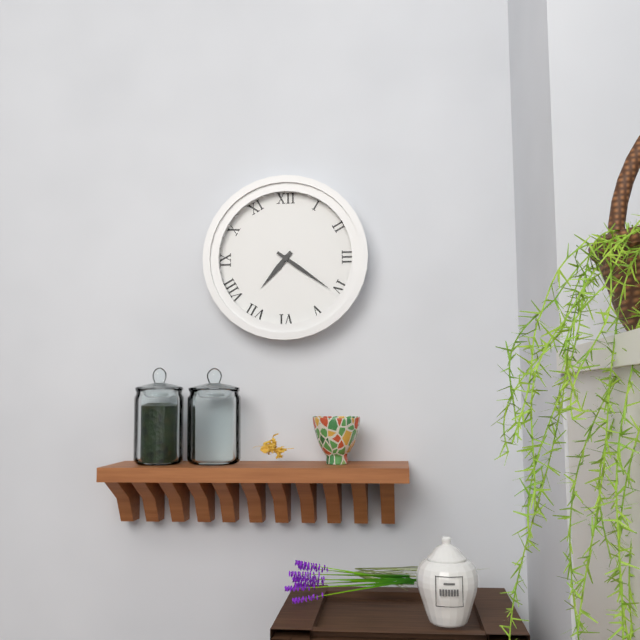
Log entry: 7:21
